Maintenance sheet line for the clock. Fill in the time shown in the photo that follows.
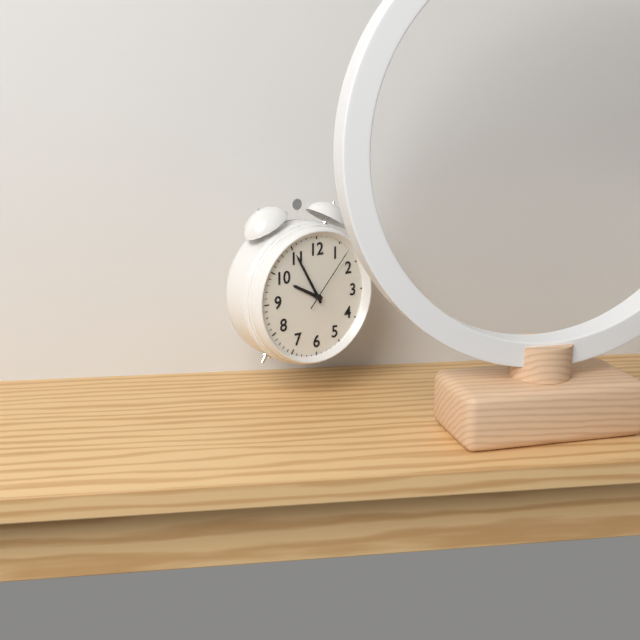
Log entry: 9:55:07
